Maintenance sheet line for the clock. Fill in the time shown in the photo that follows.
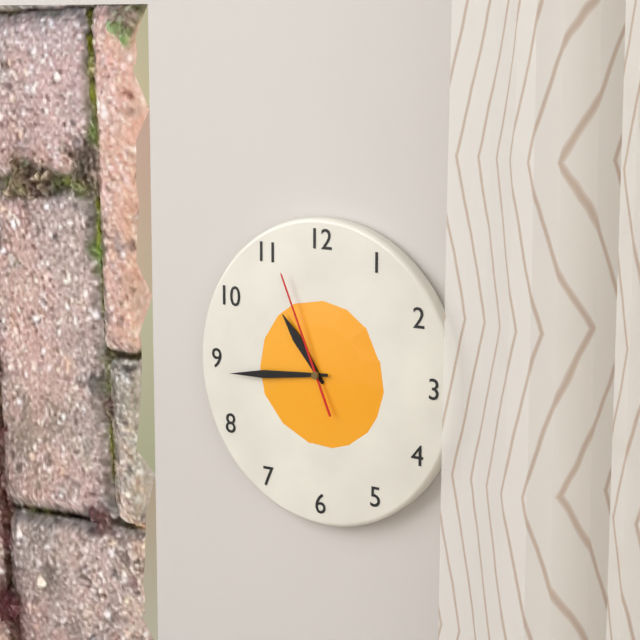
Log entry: 10:44:56
